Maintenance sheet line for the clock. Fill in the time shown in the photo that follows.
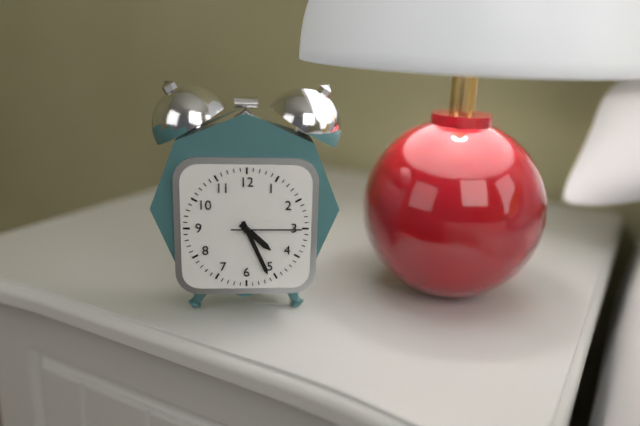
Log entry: 4:26:15
